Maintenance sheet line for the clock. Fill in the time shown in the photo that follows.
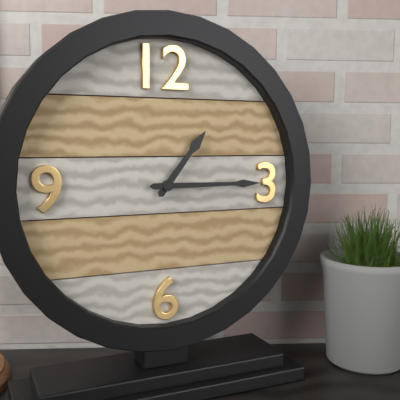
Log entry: 1:15
